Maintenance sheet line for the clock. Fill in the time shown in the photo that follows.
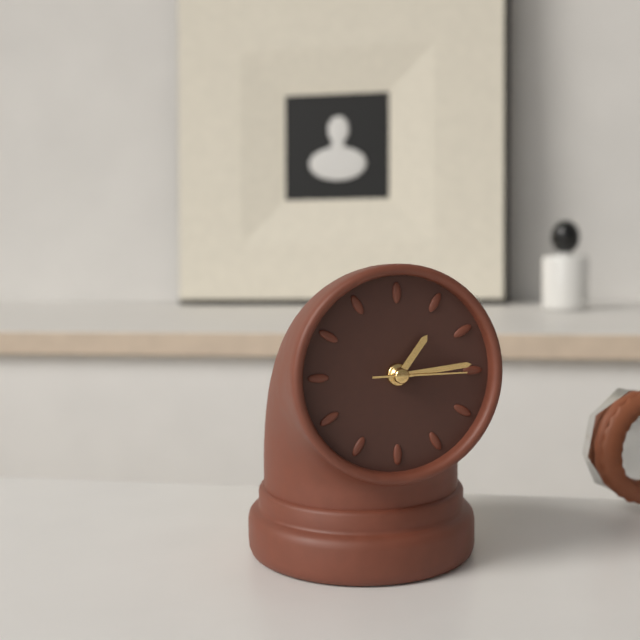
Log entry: 1:14:15
